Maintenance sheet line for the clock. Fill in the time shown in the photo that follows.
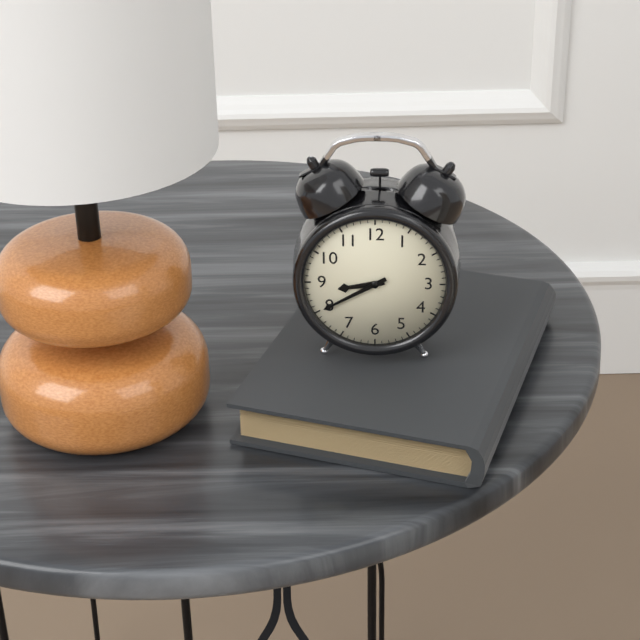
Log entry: 8:40
